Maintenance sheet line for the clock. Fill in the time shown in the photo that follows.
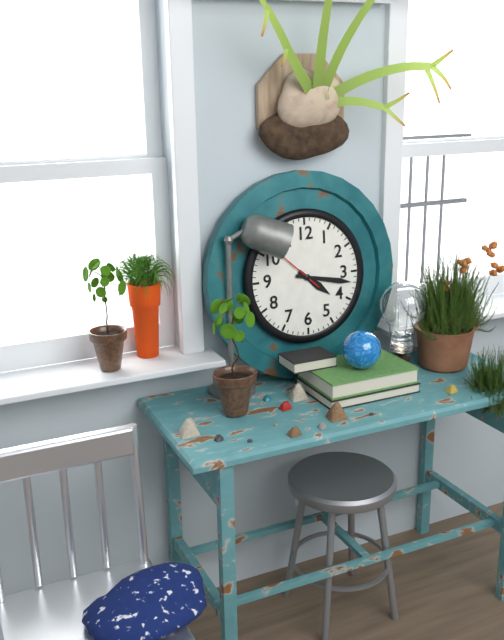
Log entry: 4:17
